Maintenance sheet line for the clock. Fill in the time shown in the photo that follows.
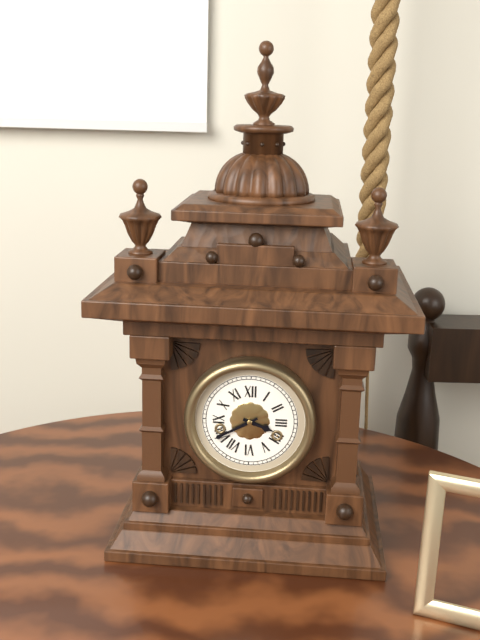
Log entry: 3:40
